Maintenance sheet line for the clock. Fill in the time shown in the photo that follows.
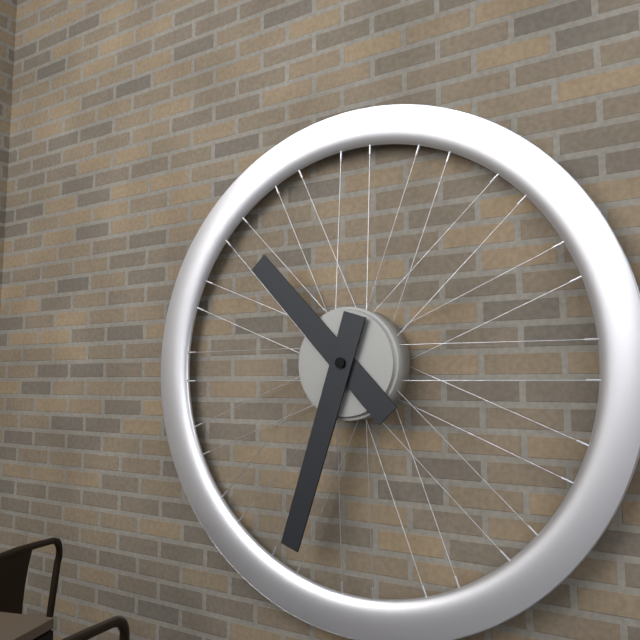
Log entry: 10:33
